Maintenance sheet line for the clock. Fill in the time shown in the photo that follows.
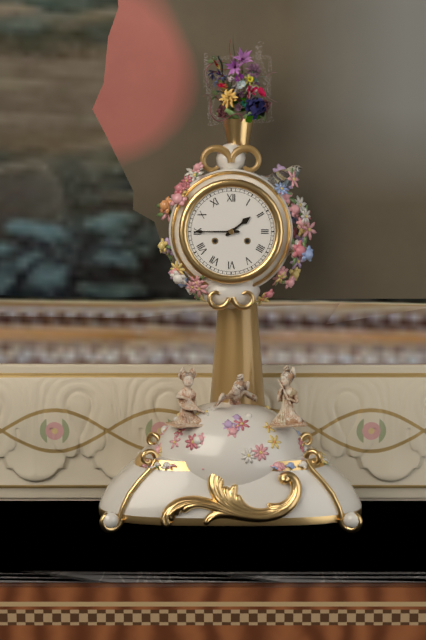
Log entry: 1:45
